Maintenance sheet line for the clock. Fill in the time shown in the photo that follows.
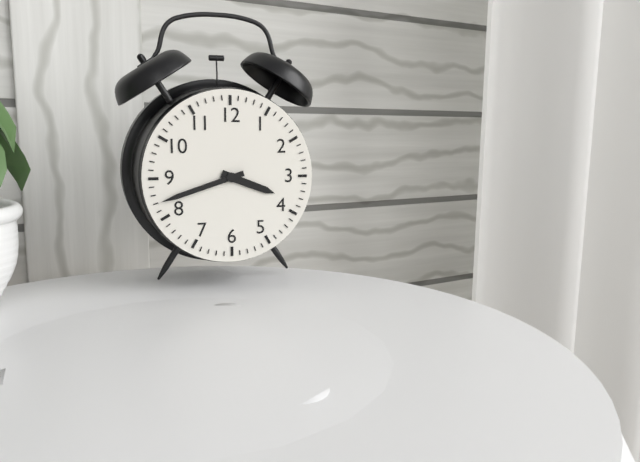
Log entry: 3:42
